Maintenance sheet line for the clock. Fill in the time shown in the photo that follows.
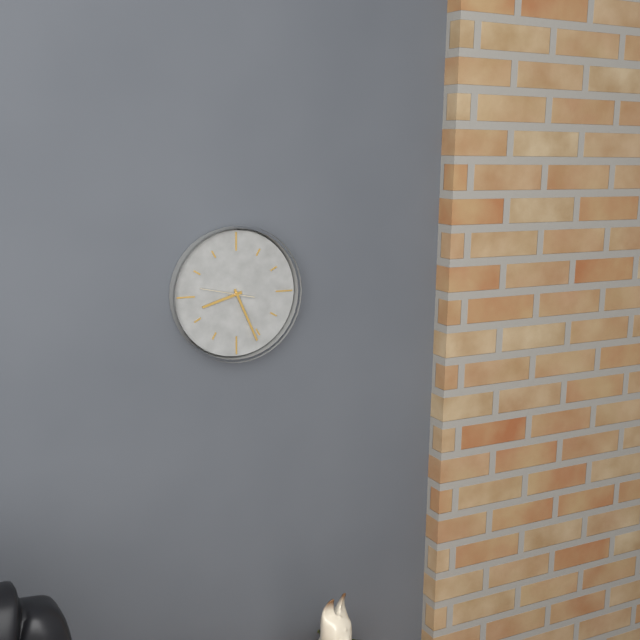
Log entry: 8:26
